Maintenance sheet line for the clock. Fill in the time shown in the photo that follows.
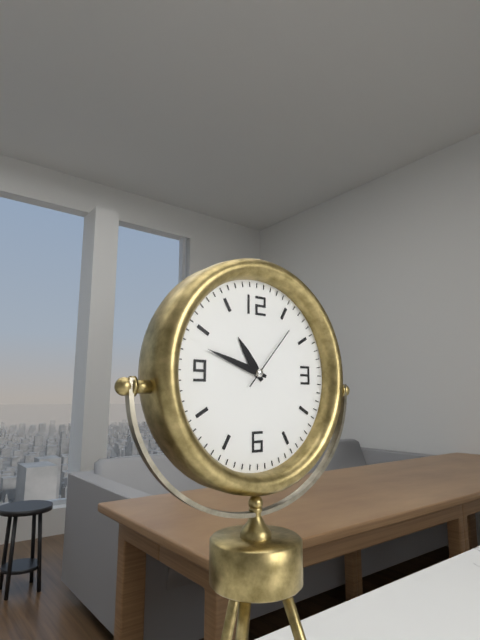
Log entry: 10:48:07
